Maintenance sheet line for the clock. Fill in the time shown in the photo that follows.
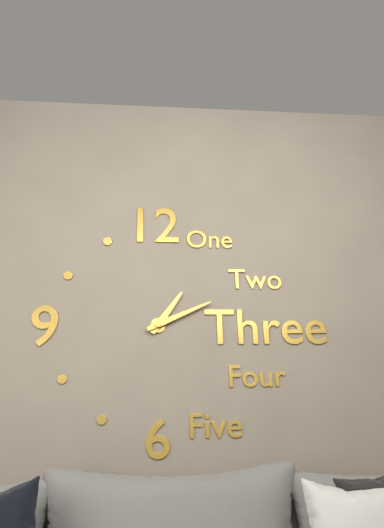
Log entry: 1:11
